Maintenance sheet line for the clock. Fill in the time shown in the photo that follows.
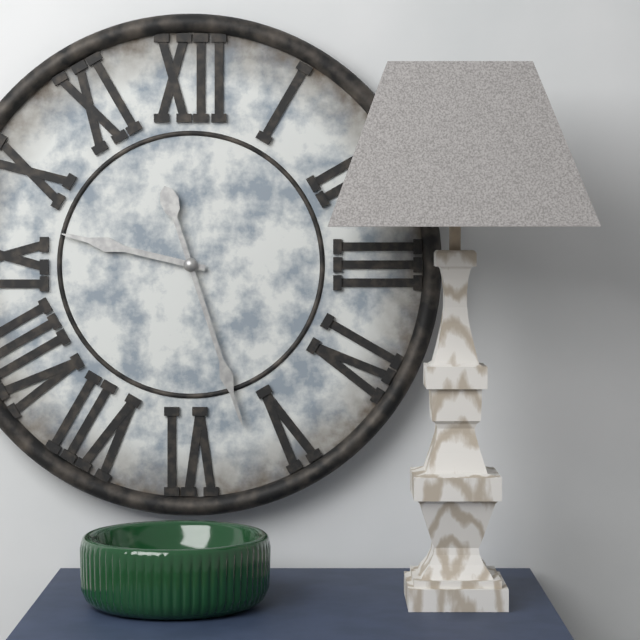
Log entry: 9:27
